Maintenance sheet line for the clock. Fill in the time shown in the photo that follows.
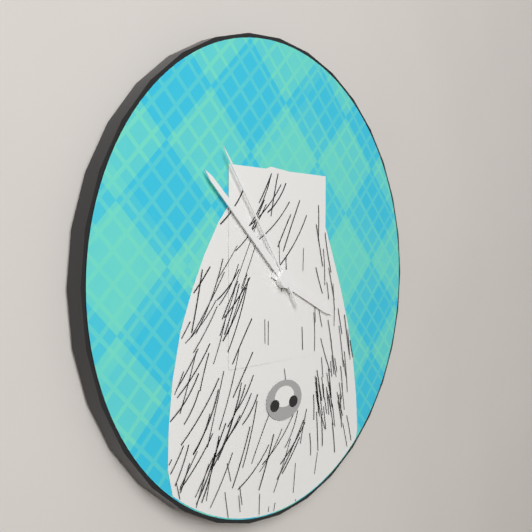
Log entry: 3:52:54
